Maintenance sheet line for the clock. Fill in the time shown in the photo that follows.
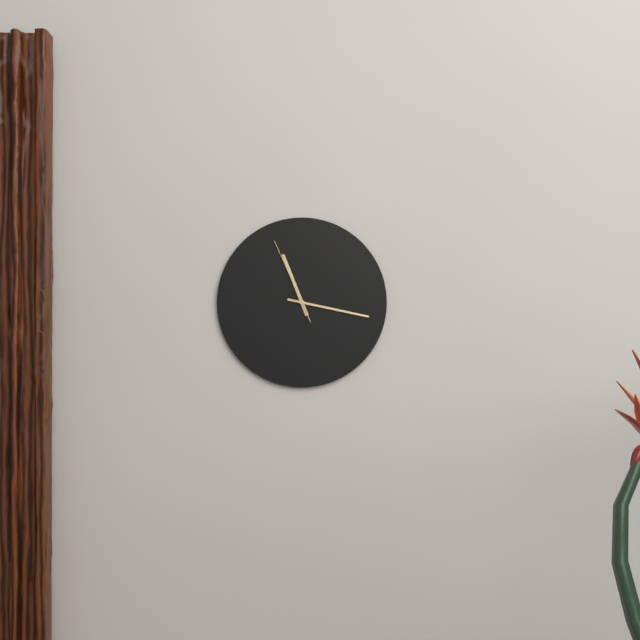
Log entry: 11:17:56
